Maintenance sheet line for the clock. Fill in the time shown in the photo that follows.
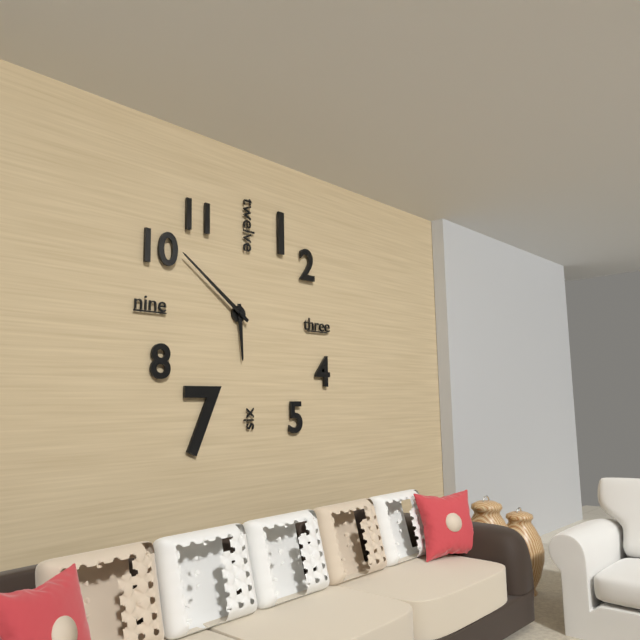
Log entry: 5:51
